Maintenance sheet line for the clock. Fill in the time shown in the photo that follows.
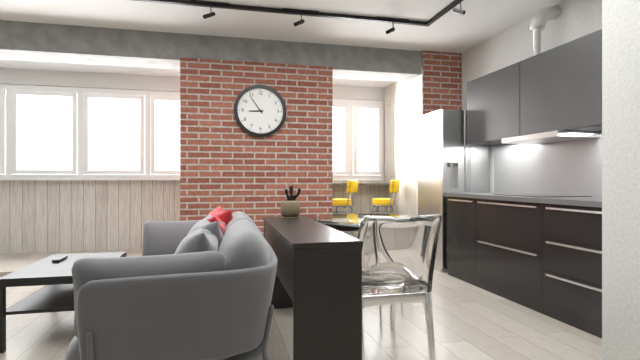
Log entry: 8:54
